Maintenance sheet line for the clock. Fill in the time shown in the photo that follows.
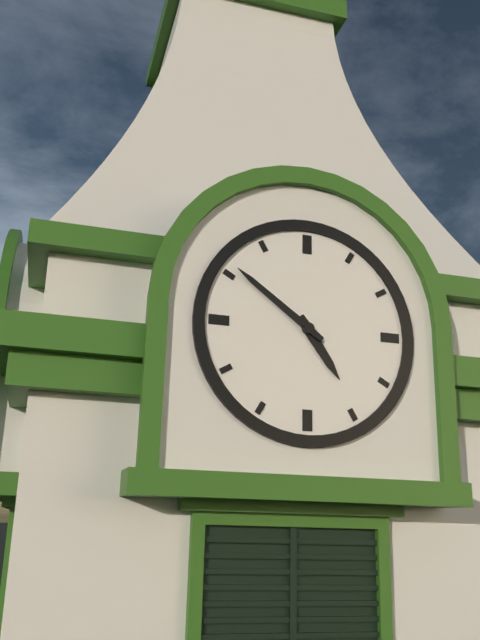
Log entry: 4:51
